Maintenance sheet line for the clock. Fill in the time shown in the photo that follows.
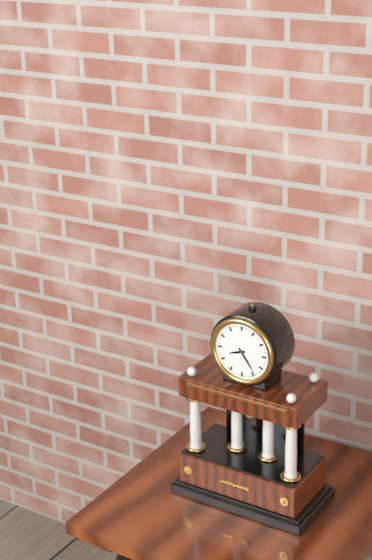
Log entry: 8:24
